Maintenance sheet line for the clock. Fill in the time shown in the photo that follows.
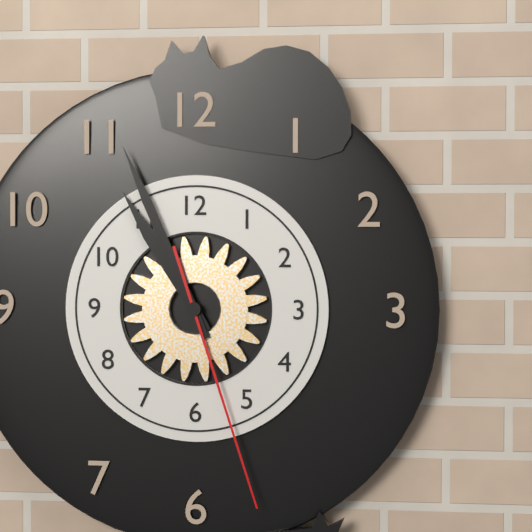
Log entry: 10:56:27
